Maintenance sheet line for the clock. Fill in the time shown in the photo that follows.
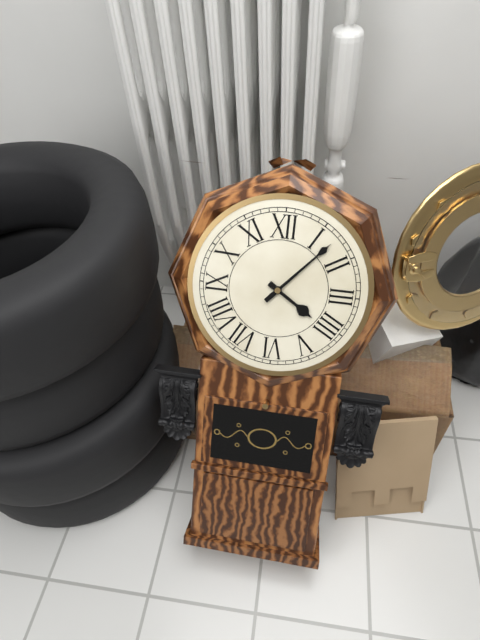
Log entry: 4:07
